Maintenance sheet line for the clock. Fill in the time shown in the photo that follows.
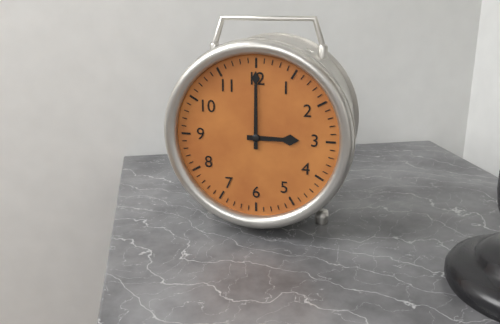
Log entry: 3:00
